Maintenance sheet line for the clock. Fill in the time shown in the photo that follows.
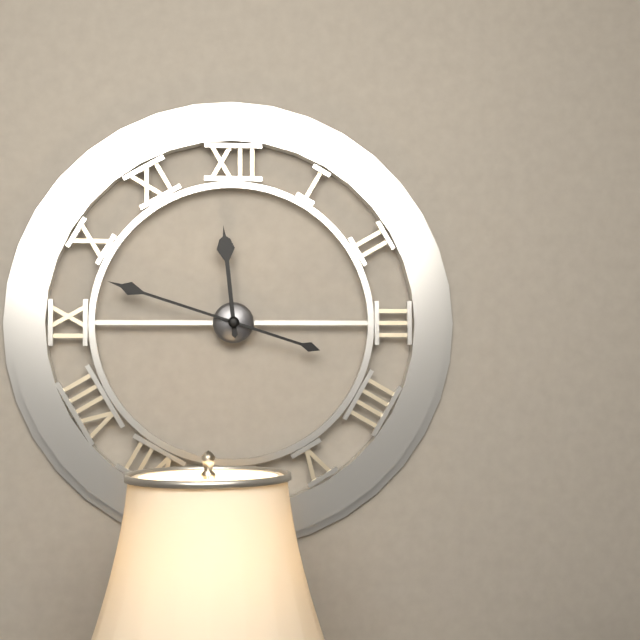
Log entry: 11:48
